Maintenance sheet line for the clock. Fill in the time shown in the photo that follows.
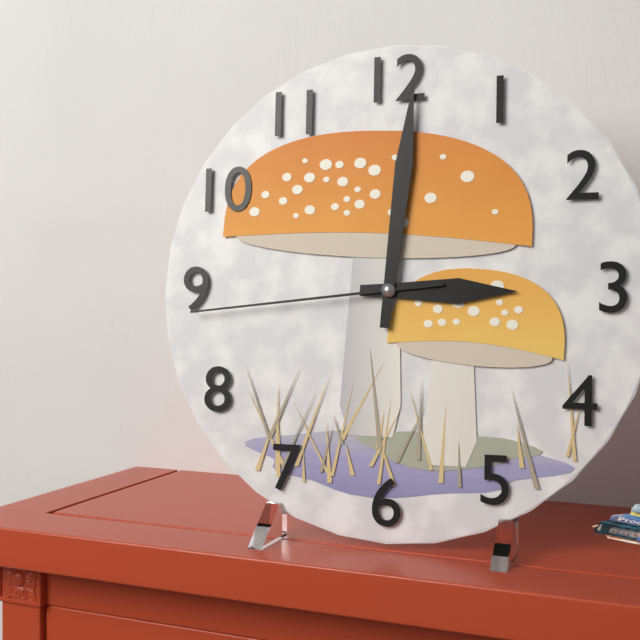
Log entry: 3:01:44
